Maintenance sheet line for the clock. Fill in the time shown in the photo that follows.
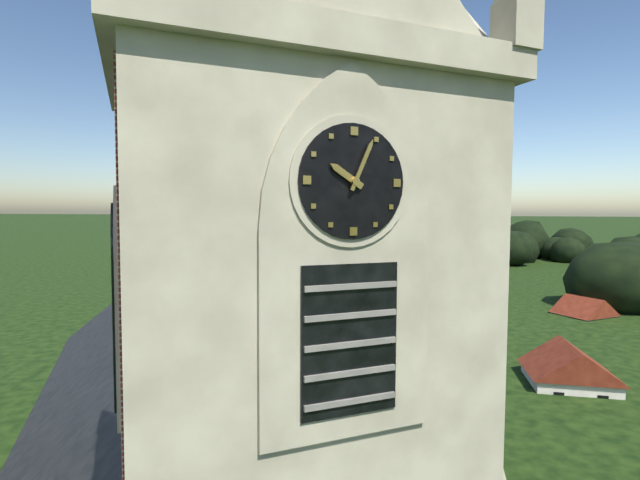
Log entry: 10:04
